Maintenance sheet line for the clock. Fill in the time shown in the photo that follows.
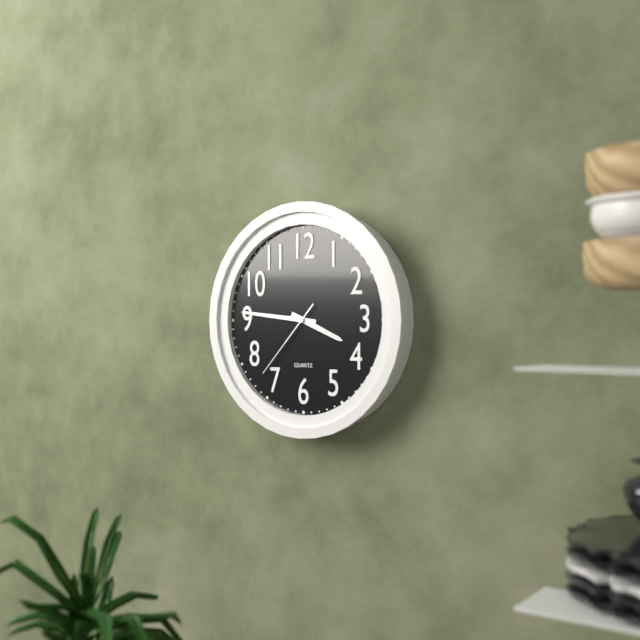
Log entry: 3:46:37
